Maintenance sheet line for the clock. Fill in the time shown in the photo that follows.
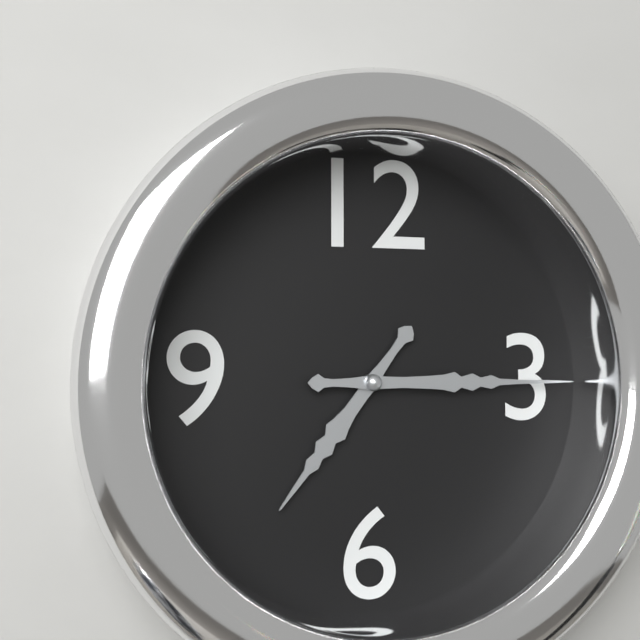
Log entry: 7:15
